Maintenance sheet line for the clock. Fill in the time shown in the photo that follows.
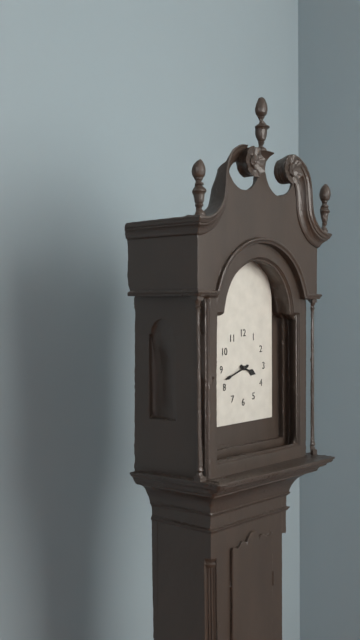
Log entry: 3:42
